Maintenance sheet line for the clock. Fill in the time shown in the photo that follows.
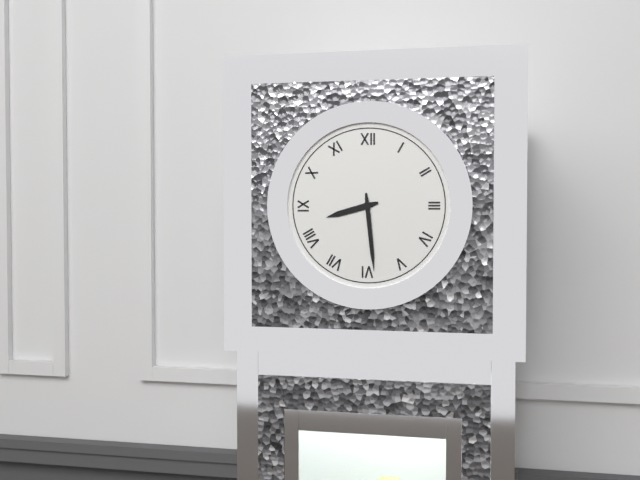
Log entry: 8:29
